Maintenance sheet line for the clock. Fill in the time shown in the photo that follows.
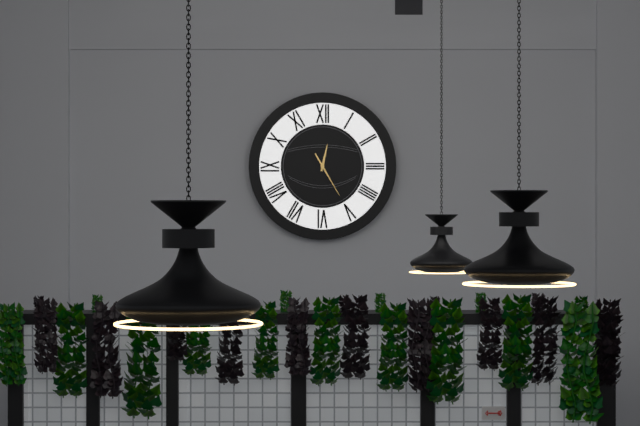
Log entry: 12:25
